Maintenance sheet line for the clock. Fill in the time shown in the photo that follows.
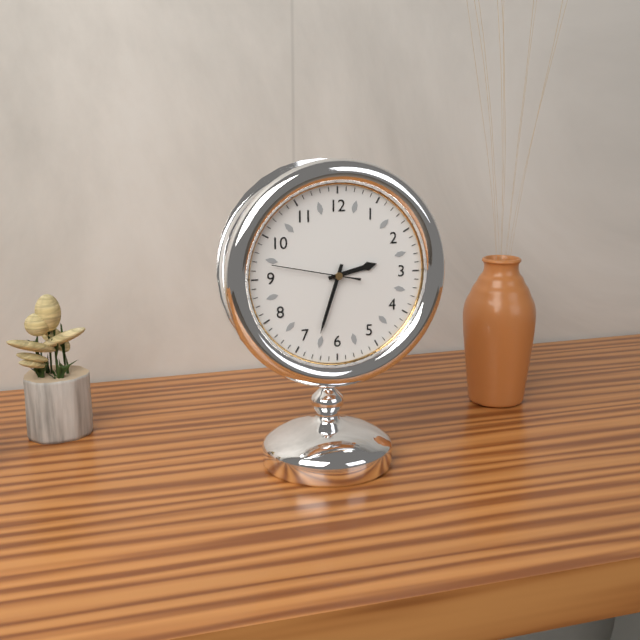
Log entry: 2:33:47
